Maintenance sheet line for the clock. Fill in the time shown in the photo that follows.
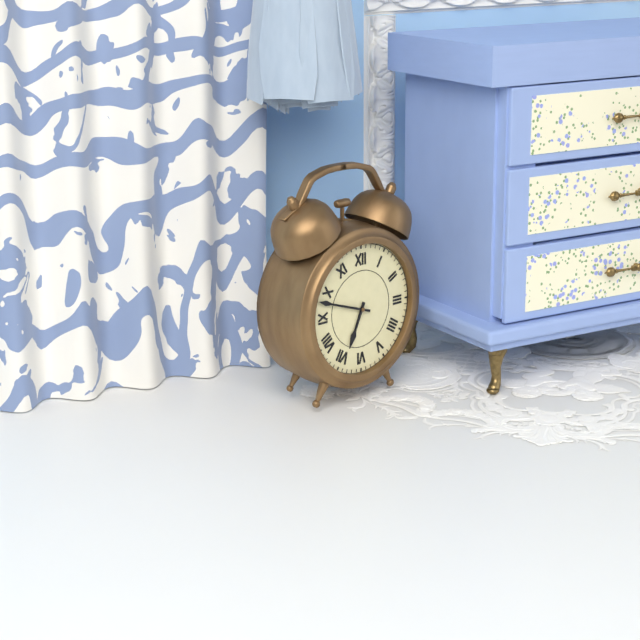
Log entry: 6:48
